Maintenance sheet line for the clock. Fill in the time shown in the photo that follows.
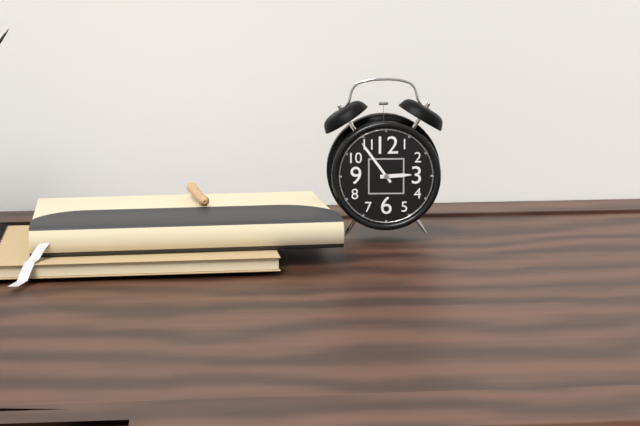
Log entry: 2:54
